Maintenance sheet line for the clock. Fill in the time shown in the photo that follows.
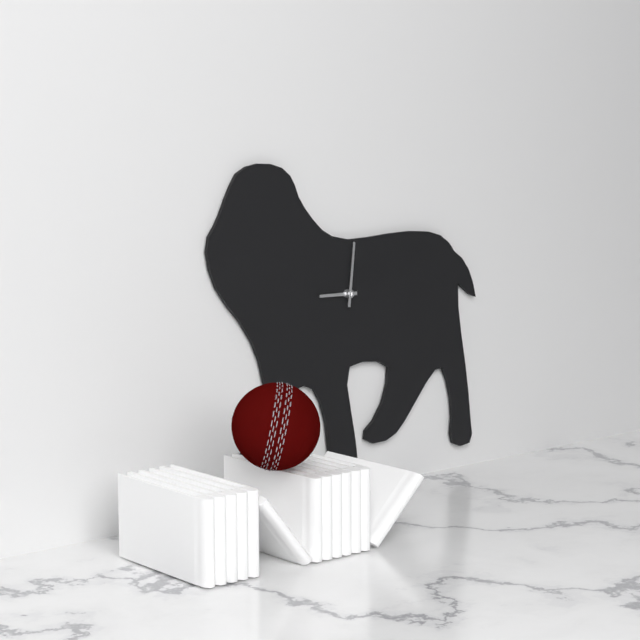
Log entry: 9:01
